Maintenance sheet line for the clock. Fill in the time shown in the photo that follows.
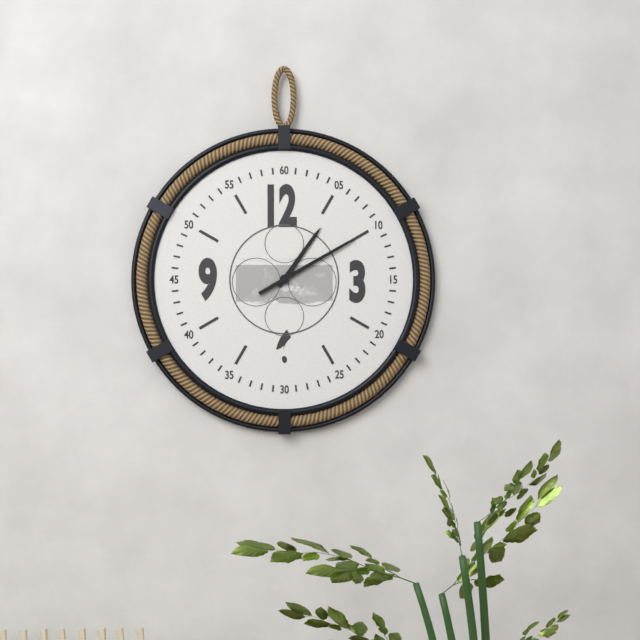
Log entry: 1:10
